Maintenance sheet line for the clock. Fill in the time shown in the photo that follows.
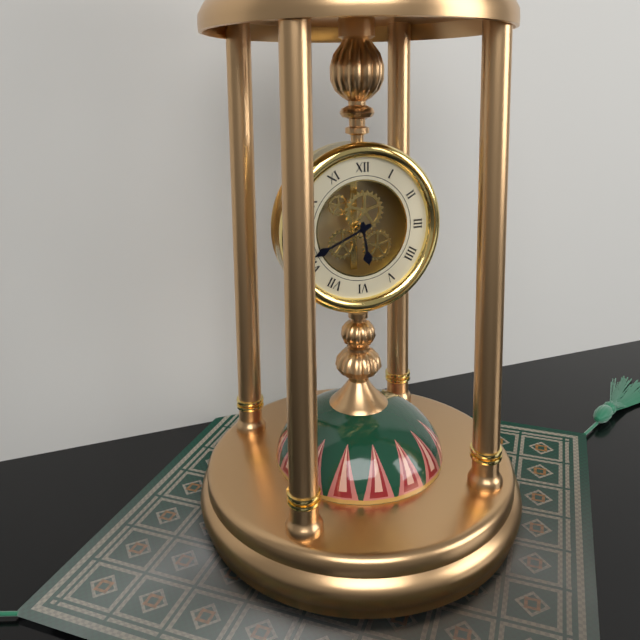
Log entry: 5:41
